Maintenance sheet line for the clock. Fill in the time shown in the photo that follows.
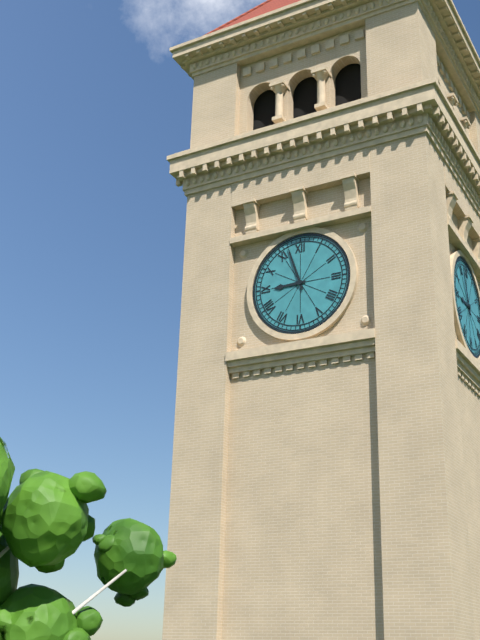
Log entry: 8:57
